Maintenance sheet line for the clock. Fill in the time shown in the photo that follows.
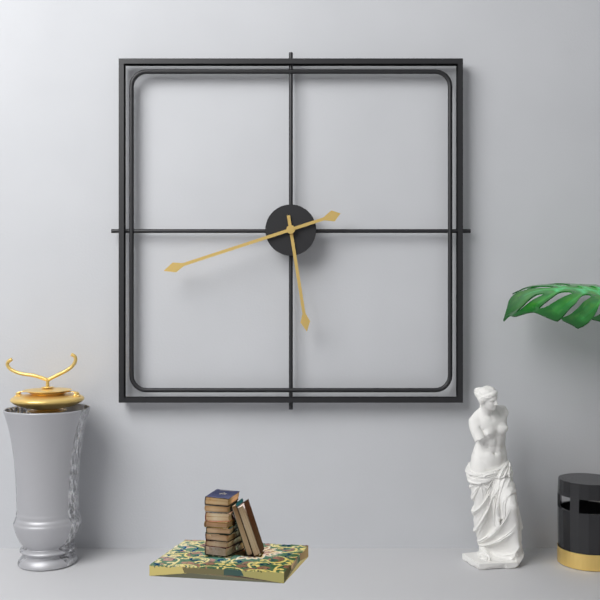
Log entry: 5:42
